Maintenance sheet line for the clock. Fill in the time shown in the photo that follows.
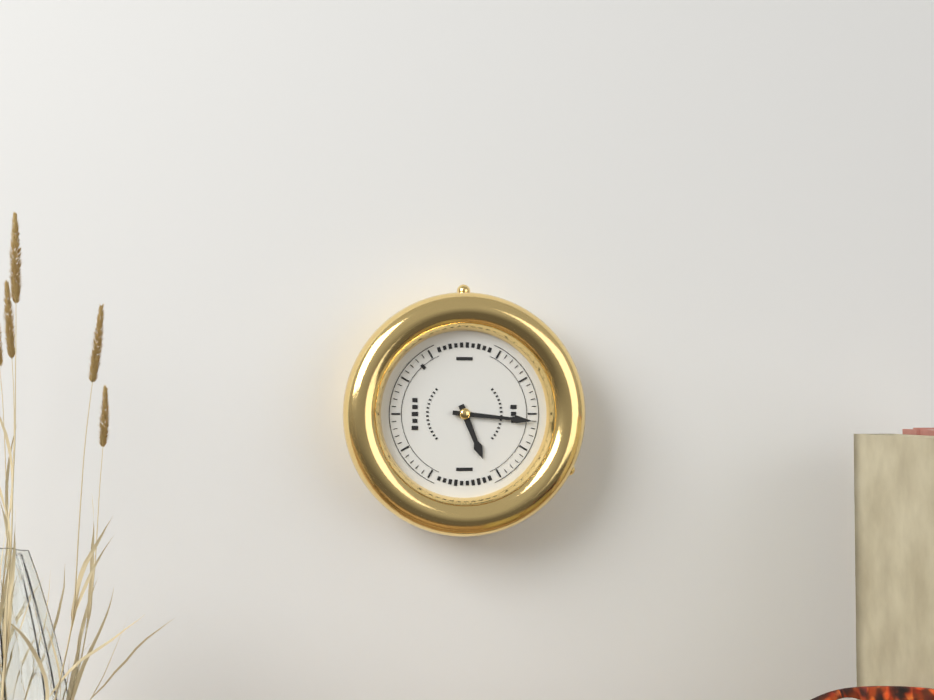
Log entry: 5:16
